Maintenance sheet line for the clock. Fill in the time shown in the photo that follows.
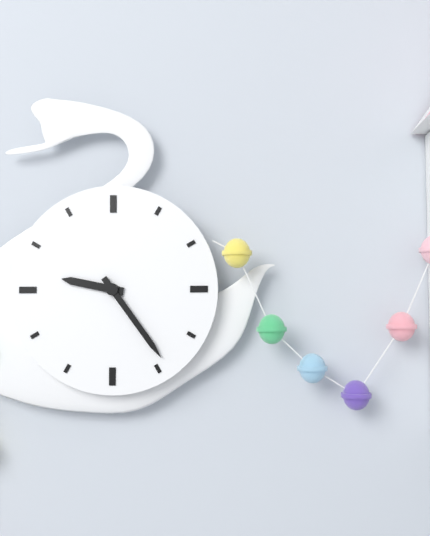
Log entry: 9:24
